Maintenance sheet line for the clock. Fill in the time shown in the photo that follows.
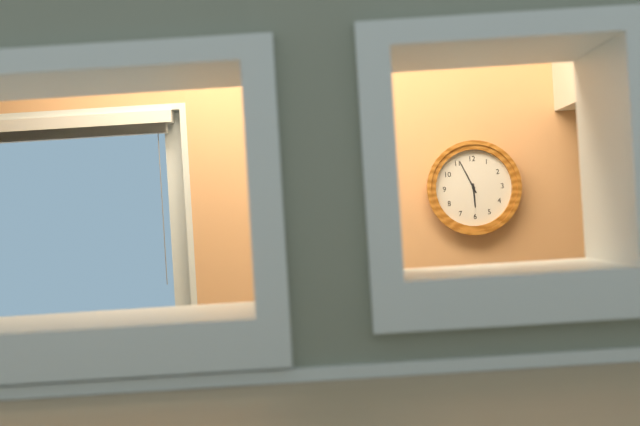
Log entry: 5:56
